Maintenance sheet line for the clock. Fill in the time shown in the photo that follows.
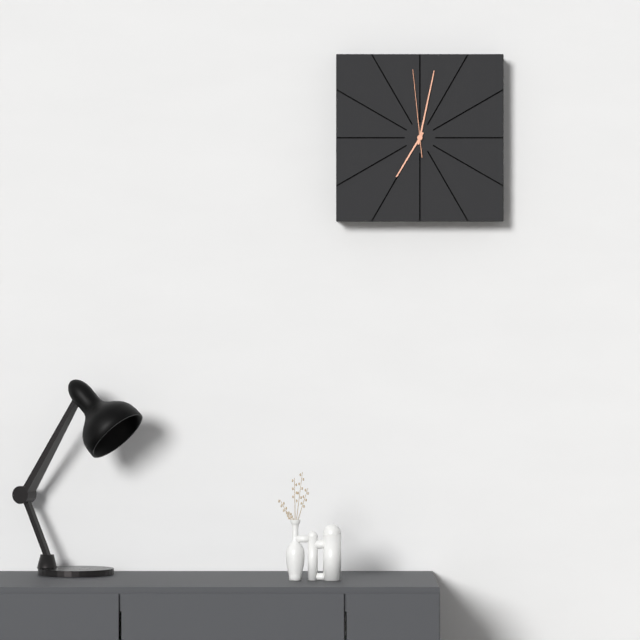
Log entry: 7:02:59
